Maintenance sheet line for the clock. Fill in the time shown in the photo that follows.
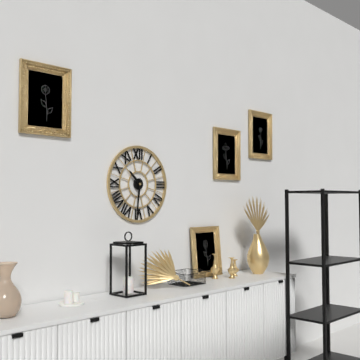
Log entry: 10:31
